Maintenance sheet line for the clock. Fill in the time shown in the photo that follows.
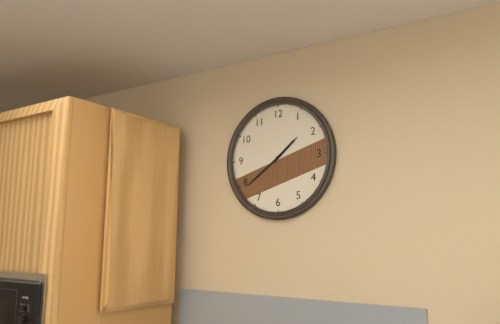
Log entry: 1:39
